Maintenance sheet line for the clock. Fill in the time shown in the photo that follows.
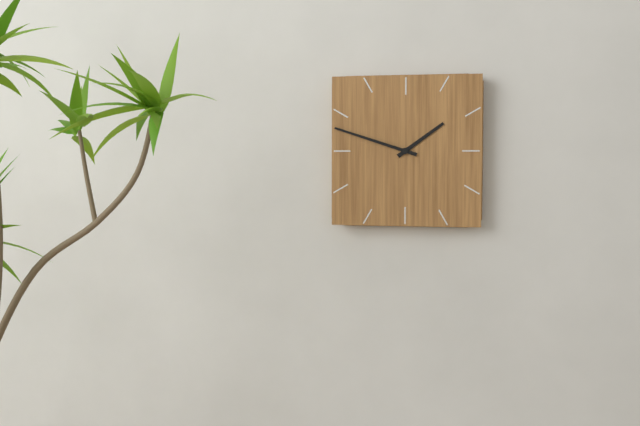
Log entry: 1:48
